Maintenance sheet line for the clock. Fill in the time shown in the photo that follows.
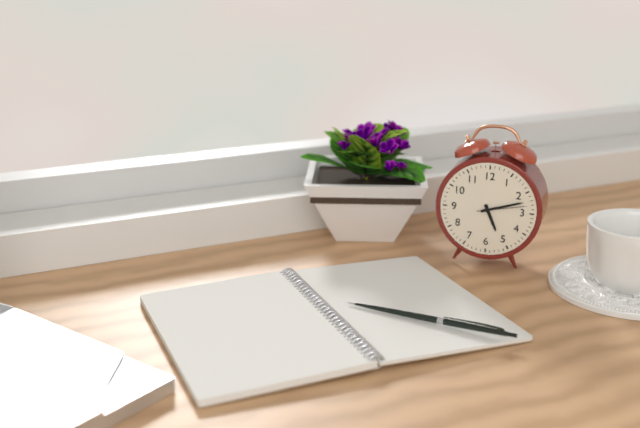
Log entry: 5:12:13
